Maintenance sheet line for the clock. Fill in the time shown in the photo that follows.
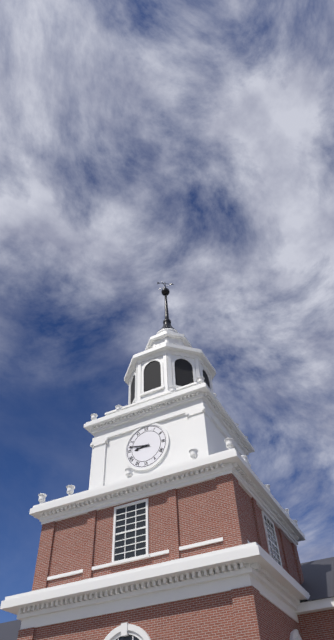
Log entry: 8:47
